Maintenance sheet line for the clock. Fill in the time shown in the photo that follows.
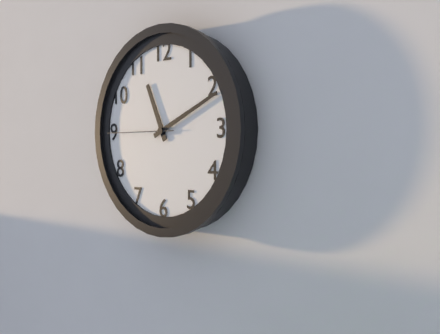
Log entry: 11:11:45
